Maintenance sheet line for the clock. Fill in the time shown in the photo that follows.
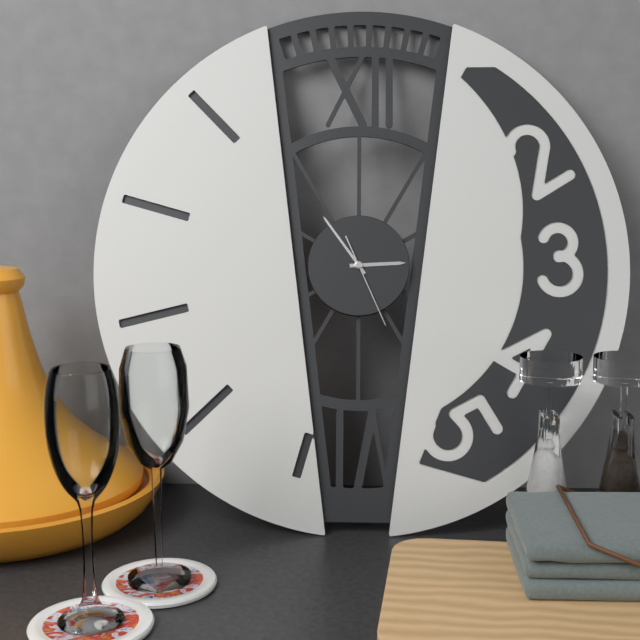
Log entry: 2:54:26
